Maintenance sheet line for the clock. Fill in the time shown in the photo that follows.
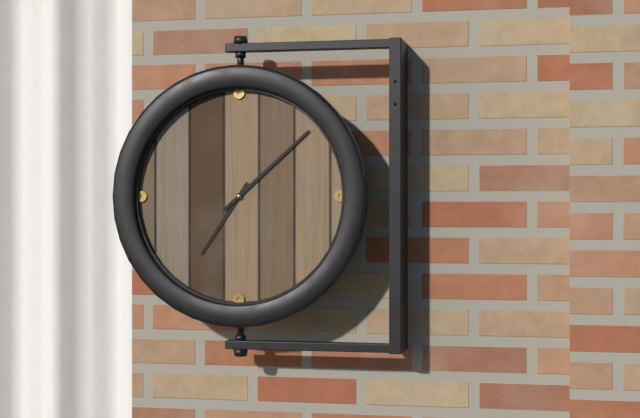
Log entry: 7:08
